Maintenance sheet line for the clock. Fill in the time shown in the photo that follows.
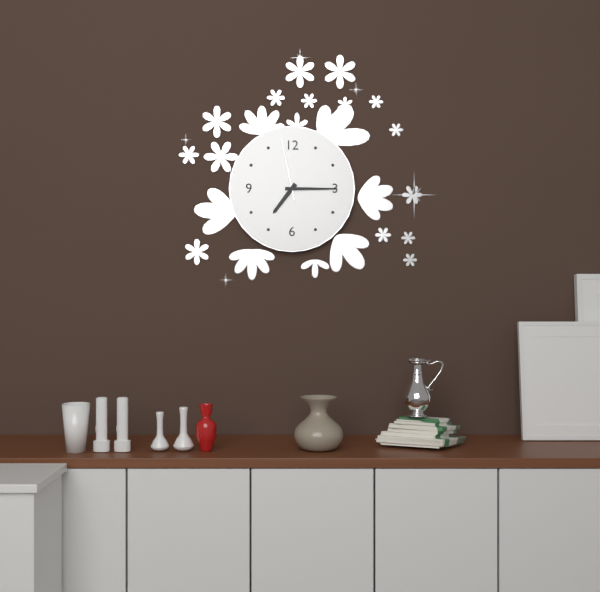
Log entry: 7:15:58
